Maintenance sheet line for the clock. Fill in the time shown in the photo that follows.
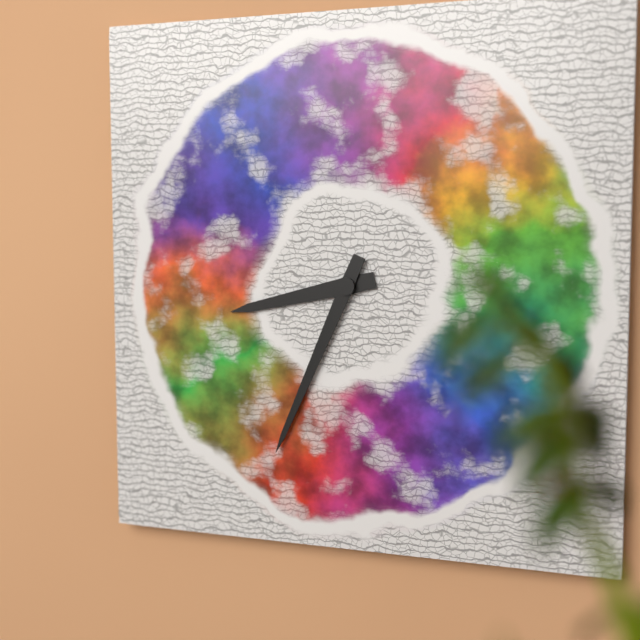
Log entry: 8:34
